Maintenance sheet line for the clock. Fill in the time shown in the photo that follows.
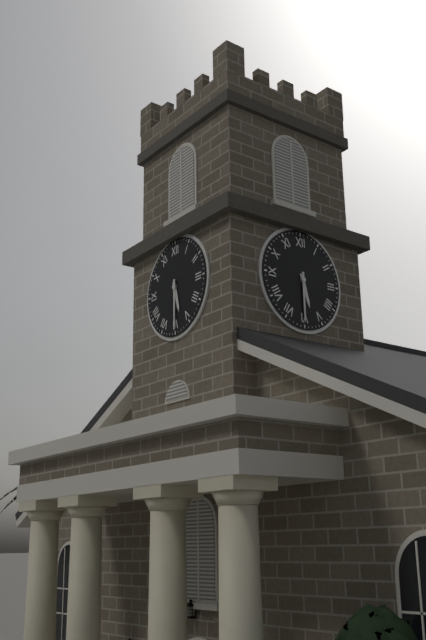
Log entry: 5:30
